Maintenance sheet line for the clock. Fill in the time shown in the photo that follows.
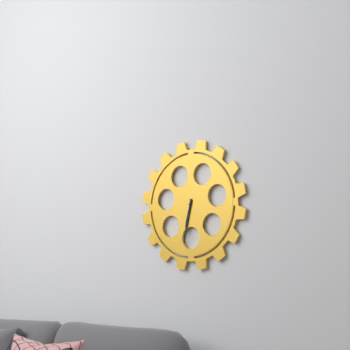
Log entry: 6:32
